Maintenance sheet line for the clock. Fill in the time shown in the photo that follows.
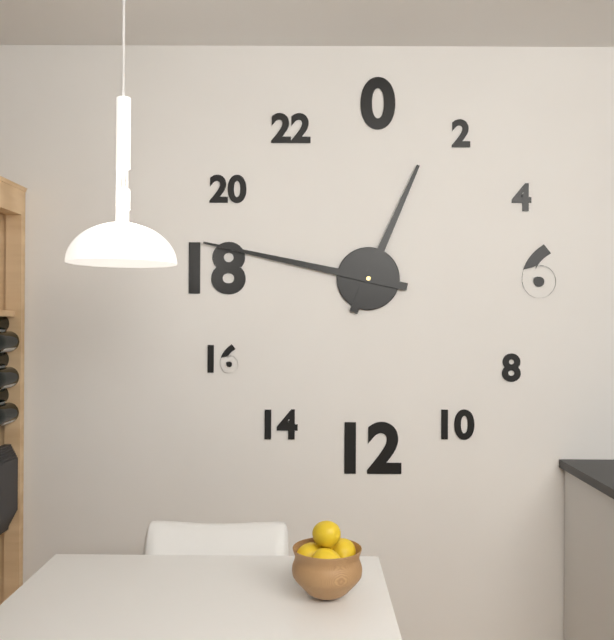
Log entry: 12:47
